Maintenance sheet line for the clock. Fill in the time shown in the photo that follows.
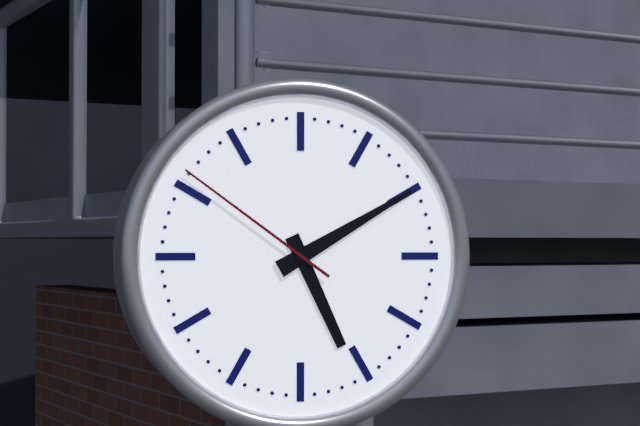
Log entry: 5:10:51
